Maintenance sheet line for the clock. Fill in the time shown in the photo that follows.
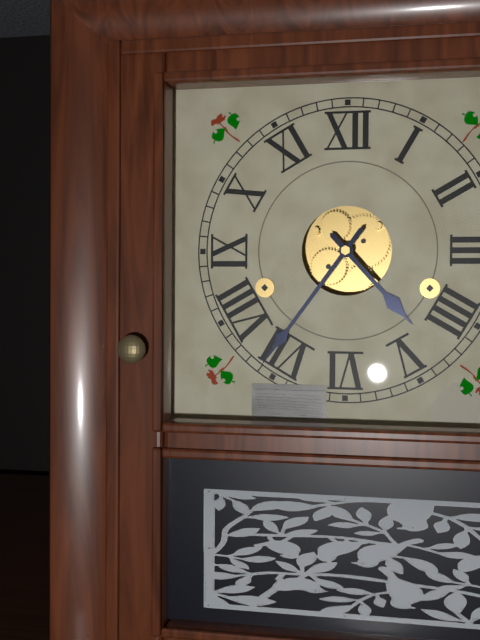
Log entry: 4:36
